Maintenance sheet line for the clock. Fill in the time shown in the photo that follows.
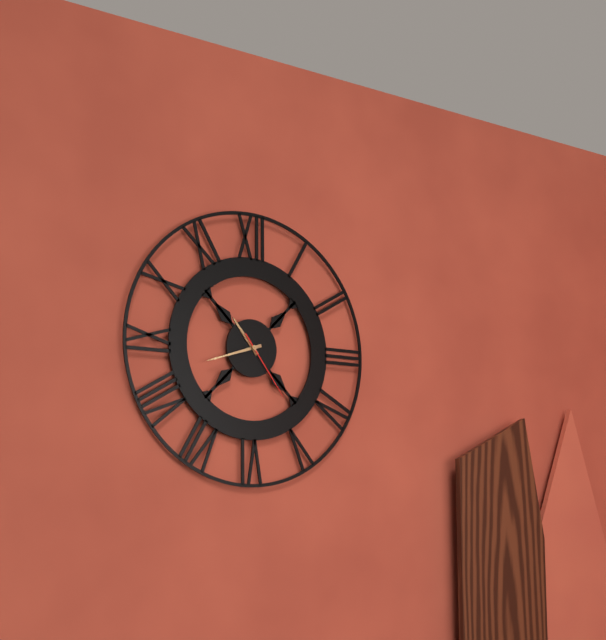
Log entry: 10:42:24
